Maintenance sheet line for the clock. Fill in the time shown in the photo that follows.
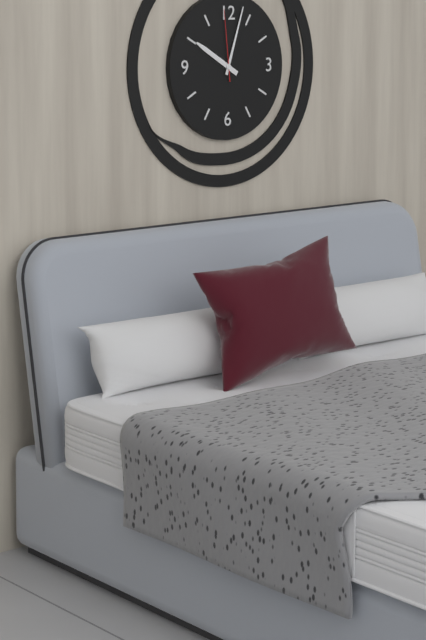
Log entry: 10:03:59
